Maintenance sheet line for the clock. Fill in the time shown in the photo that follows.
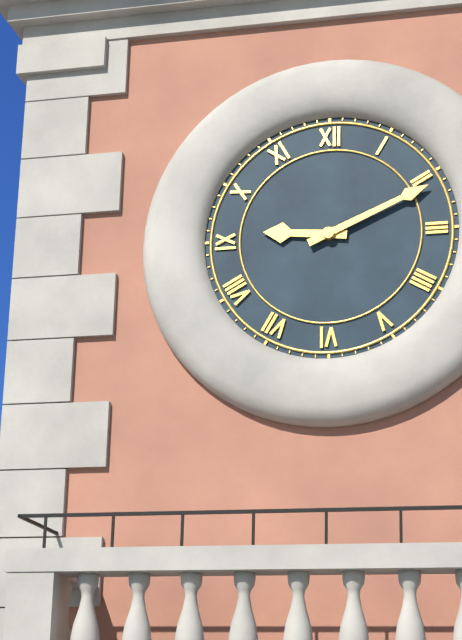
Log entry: 9:11
